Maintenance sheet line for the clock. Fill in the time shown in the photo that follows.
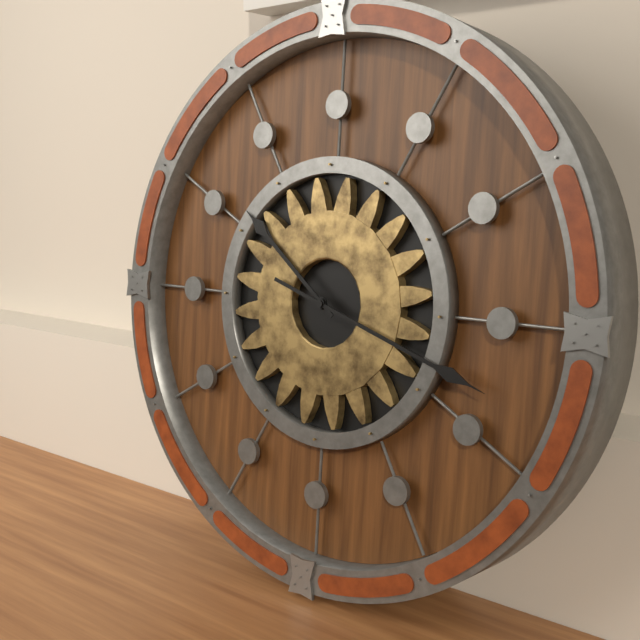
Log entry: 10:18
